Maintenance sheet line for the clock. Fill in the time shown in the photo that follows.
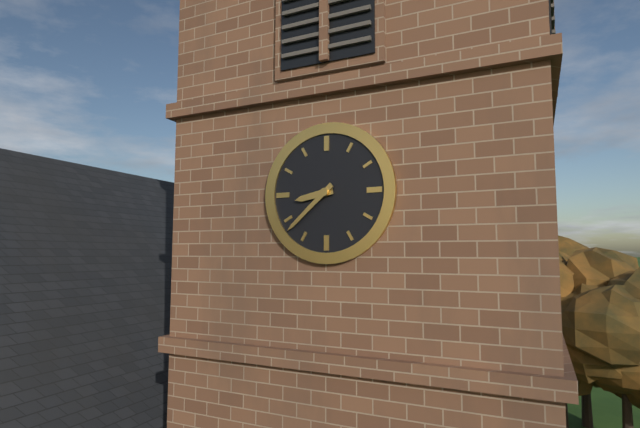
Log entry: 8:38
